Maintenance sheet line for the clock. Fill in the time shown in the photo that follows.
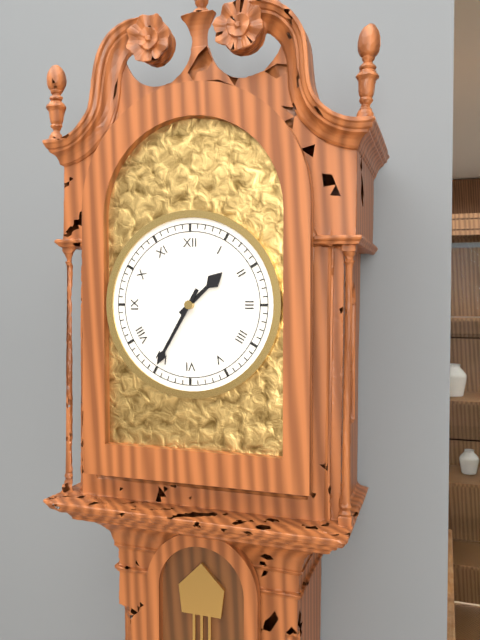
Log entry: 1:35
